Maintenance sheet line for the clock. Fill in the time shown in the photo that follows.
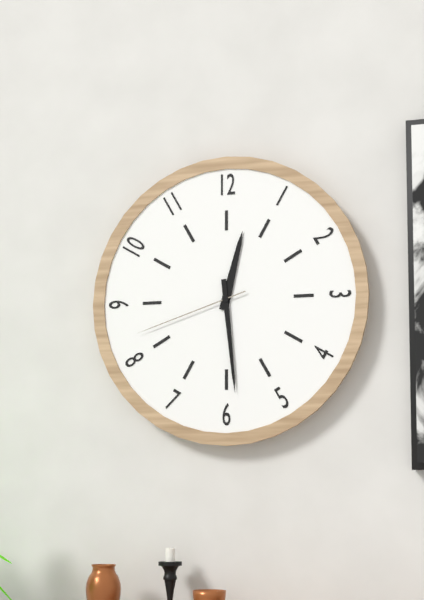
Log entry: 12:29:42
